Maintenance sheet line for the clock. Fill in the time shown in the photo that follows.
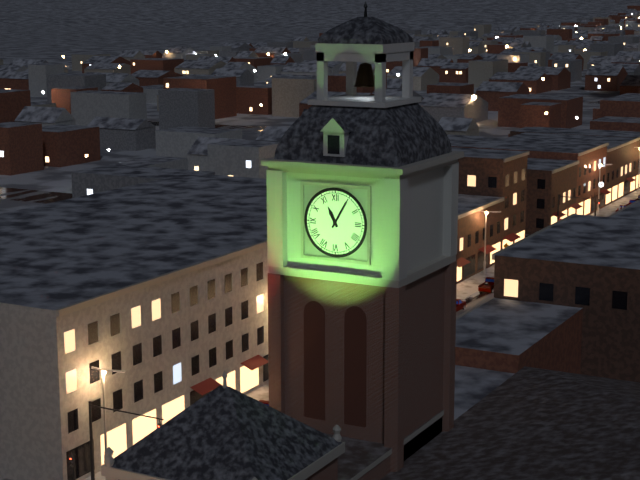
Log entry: 11:05
